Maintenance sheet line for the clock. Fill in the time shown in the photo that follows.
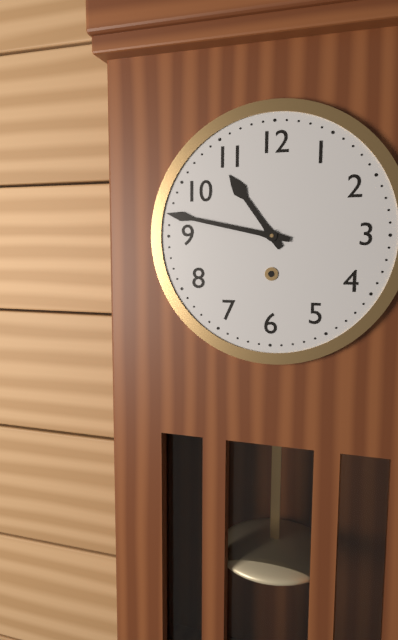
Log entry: 10:47
